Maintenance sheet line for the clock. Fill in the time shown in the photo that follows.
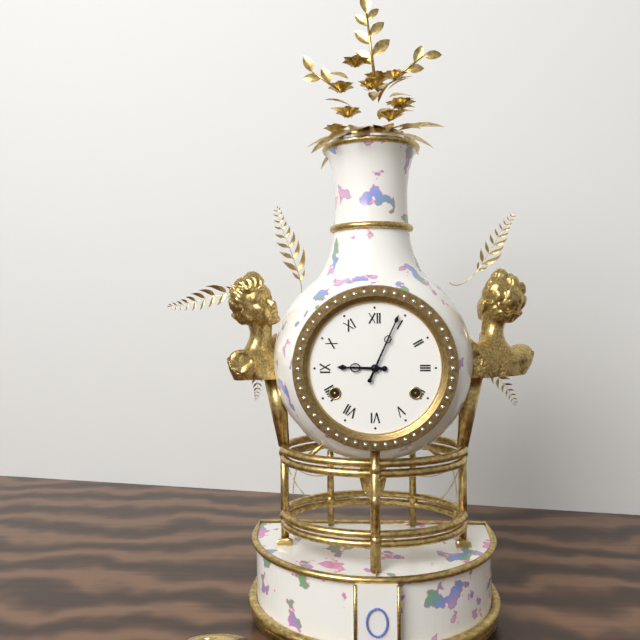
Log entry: 9:04
